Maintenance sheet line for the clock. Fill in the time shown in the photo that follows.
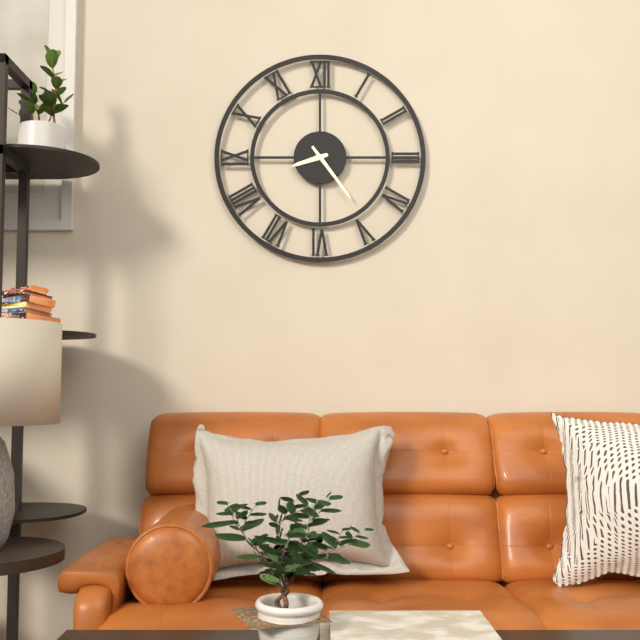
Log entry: 8:24
